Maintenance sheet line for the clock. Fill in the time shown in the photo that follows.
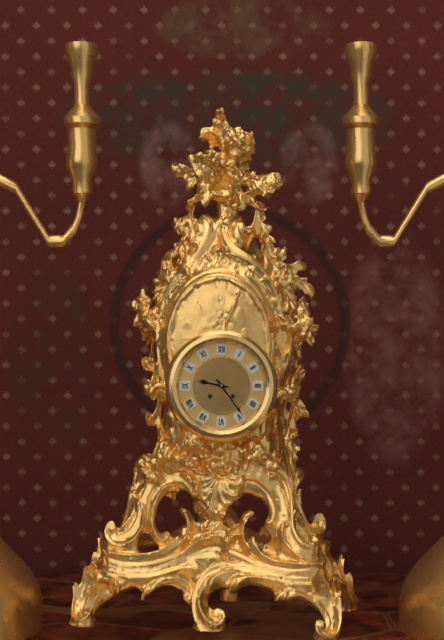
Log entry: 9:24
